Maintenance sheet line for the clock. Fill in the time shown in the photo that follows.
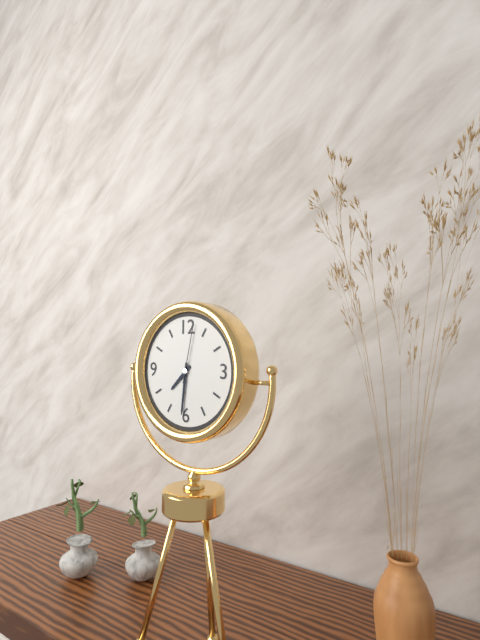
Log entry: 7:31:02
